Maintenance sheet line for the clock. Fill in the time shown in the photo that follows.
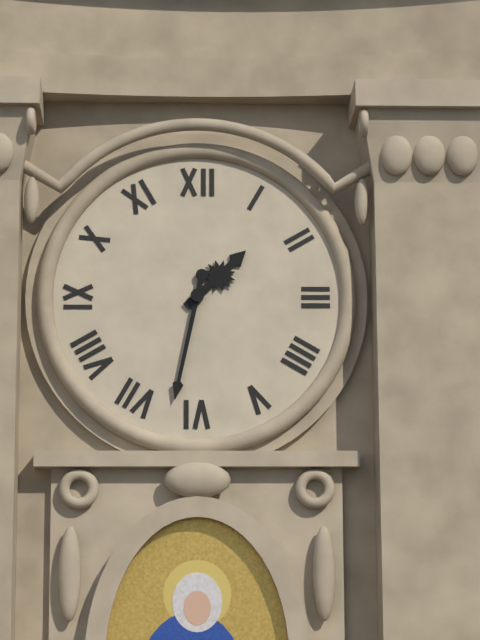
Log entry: 1:32
